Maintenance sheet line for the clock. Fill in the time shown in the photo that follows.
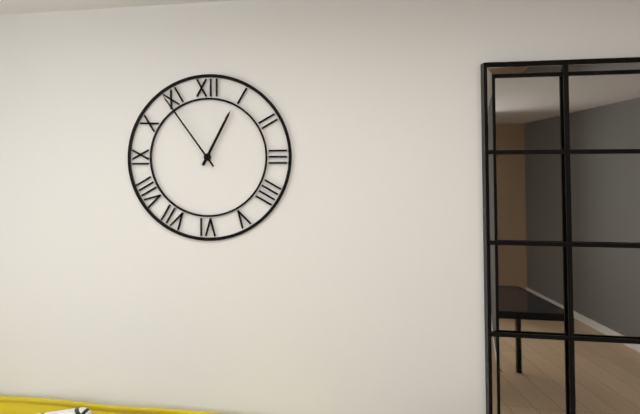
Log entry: 12:54
